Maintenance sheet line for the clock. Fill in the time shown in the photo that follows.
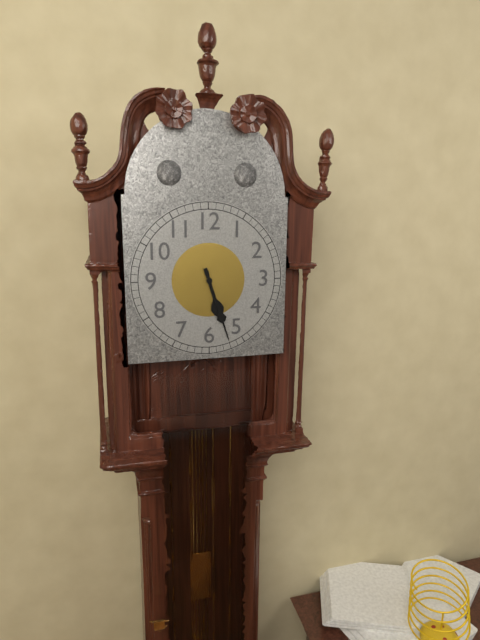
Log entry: 5:27
